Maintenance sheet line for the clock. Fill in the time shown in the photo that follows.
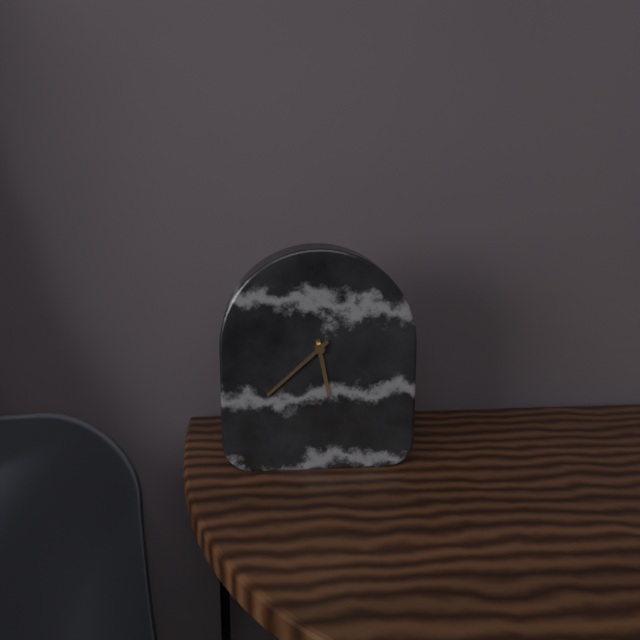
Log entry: 5:38
